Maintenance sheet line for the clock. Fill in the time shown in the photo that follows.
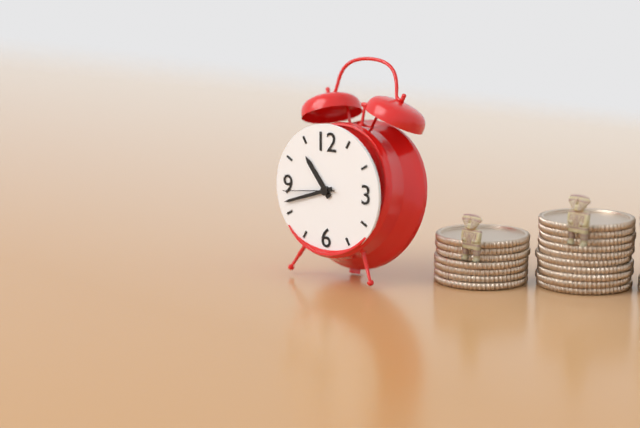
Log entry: 10:42:44
